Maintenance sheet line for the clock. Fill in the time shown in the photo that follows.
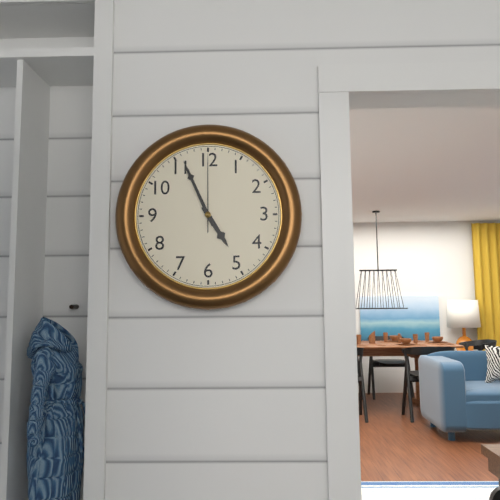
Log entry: 4:56:00
